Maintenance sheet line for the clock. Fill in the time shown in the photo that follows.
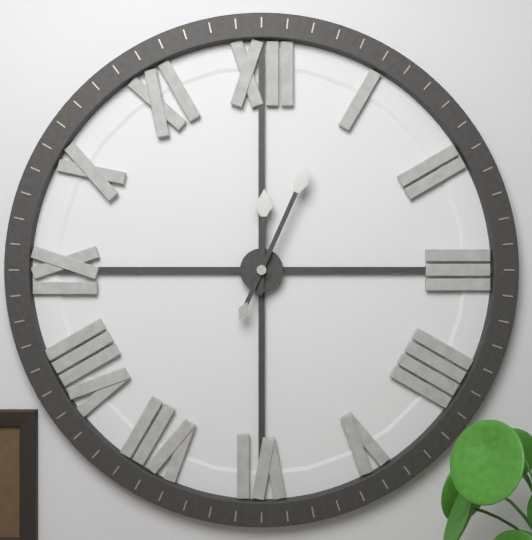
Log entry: 12:04
